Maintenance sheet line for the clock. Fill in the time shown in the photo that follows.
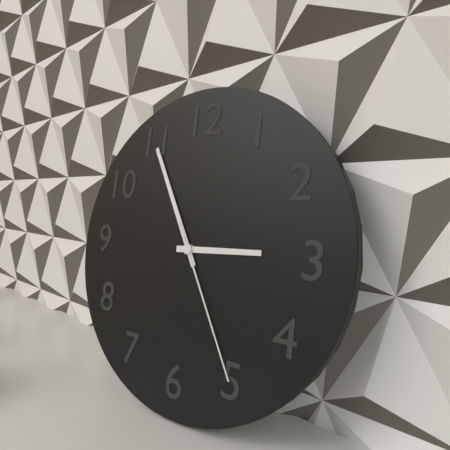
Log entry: 2:55:25
